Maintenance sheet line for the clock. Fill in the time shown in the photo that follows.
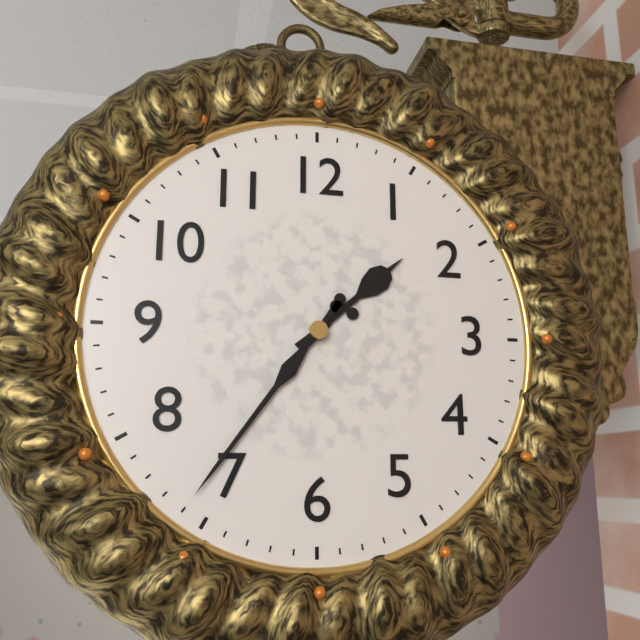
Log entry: 1:36
